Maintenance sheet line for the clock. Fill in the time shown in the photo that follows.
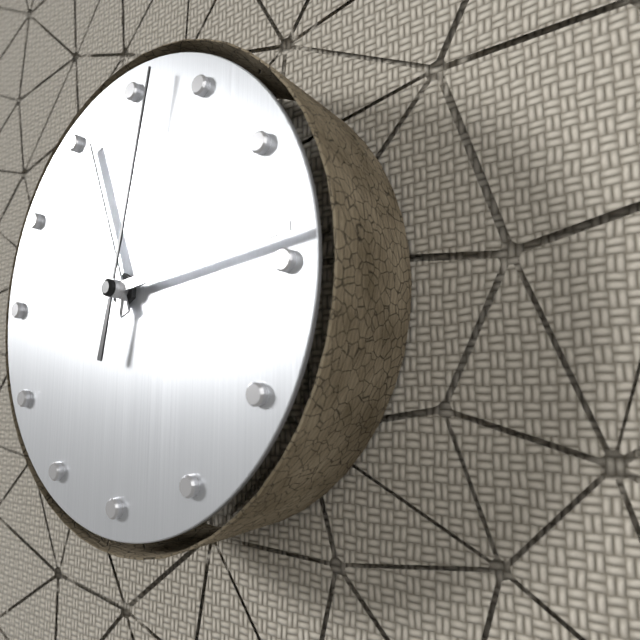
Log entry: 11:14:02
